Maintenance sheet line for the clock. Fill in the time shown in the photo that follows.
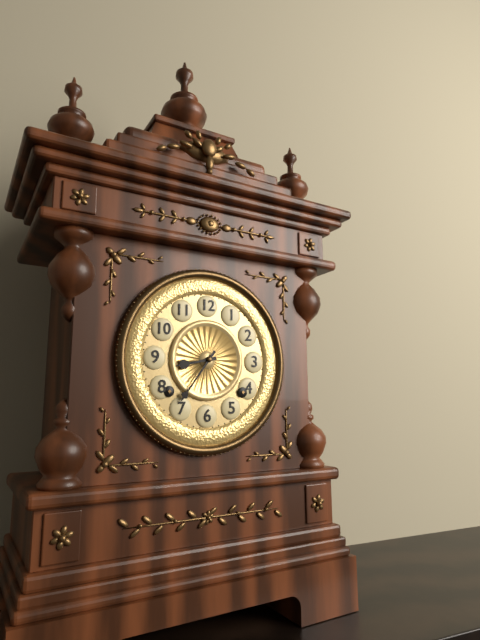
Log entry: 8:36
